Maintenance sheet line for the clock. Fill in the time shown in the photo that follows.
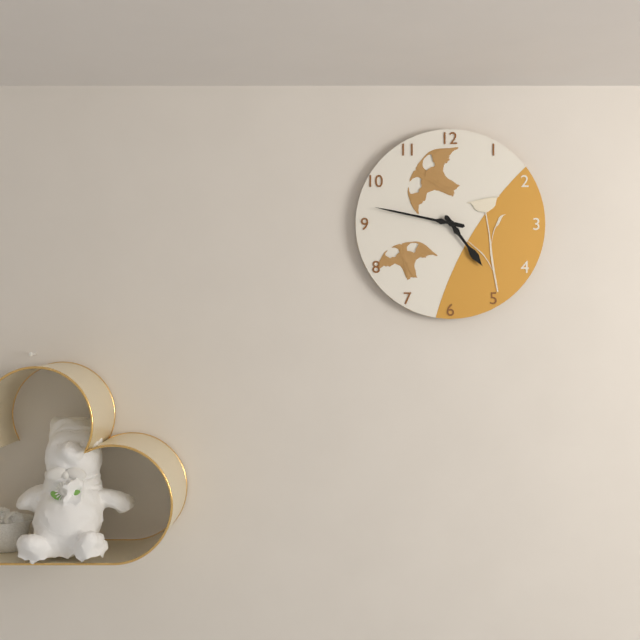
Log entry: 4:47
